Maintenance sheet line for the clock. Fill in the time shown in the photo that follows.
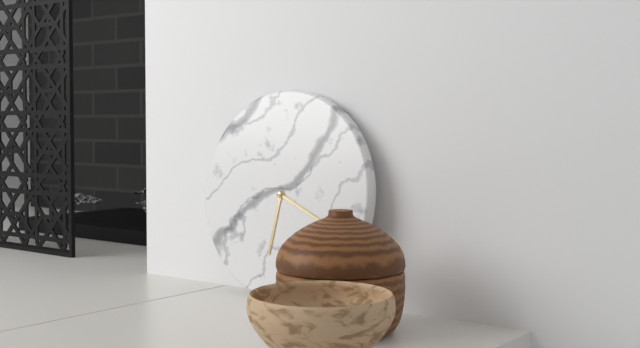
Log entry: 6:19
